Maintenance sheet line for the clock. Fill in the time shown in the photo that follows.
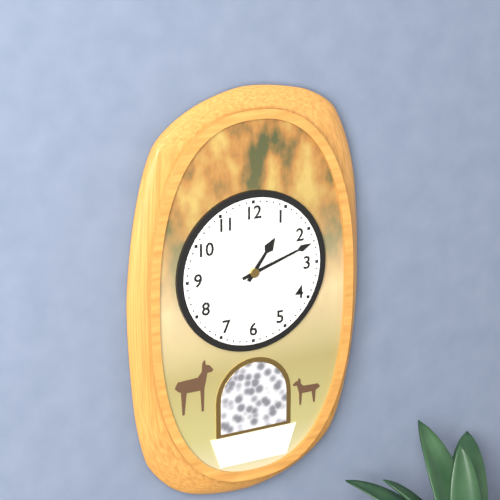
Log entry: 1:12
